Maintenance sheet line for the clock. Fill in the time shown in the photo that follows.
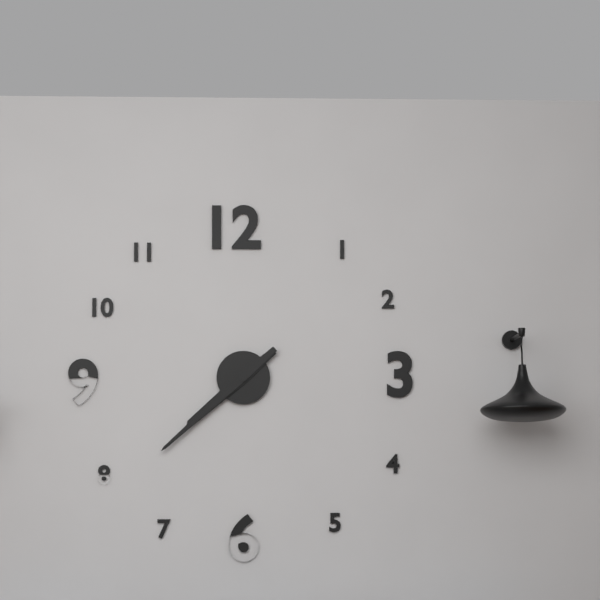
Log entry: 7:38
